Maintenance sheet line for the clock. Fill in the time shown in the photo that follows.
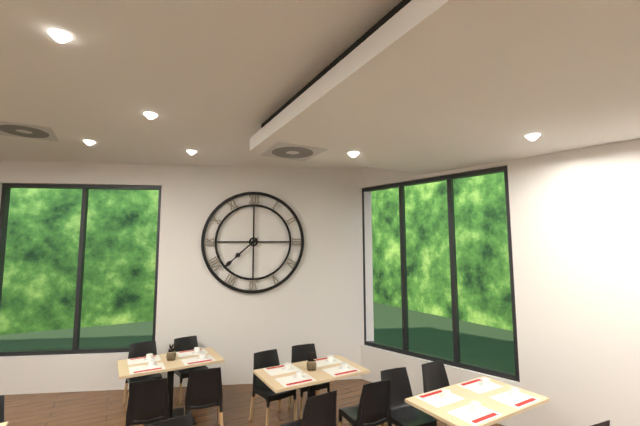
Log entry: 7:38
